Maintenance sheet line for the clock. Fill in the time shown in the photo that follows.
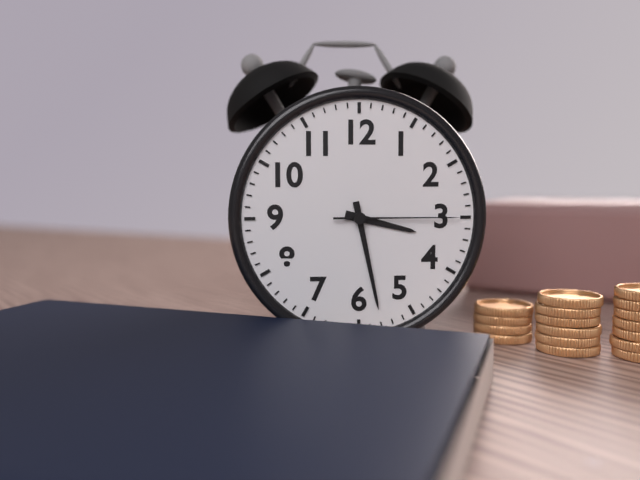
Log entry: 3:28:15
